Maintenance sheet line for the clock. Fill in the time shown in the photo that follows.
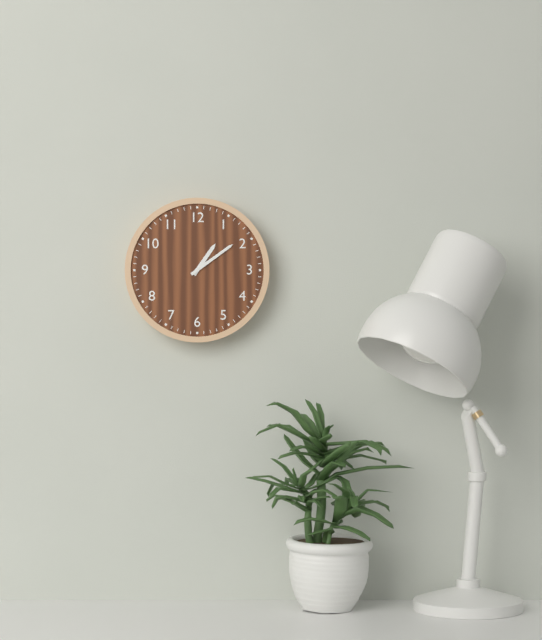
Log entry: 1:09
